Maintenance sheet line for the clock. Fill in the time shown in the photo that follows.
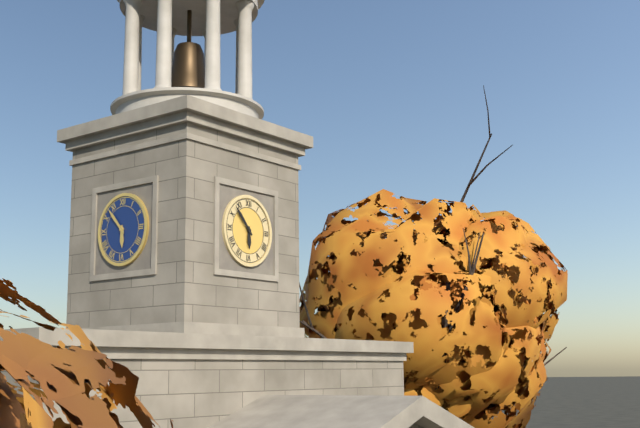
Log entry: 5:53
